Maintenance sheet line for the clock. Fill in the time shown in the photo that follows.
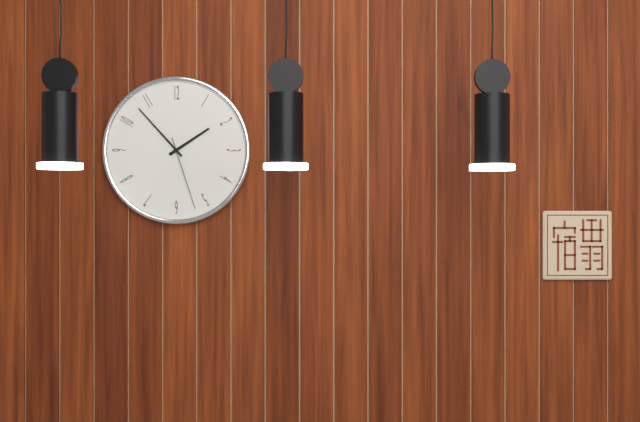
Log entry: 1:53:27
